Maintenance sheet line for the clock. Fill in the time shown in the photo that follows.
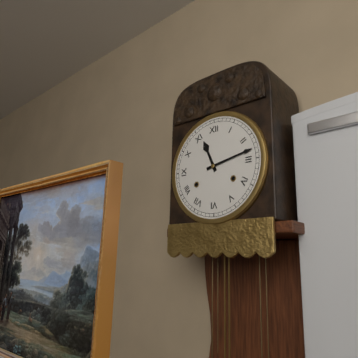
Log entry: 11:13
